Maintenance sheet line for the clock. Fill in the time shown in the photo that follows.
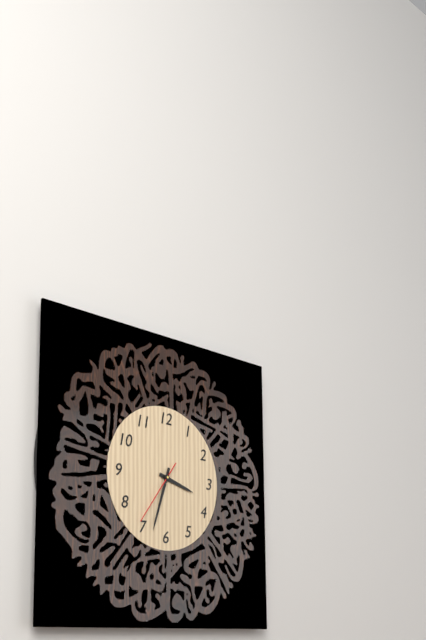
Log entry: 3:33:36
